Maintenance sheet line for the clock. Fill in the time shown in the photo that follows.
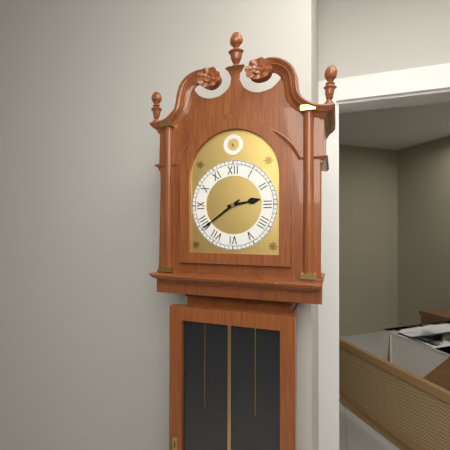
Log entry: 2:39
